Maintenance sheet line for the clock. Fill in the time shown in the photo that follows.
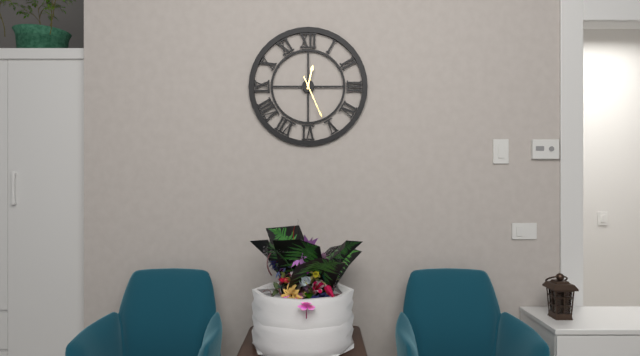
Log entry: 12:26
